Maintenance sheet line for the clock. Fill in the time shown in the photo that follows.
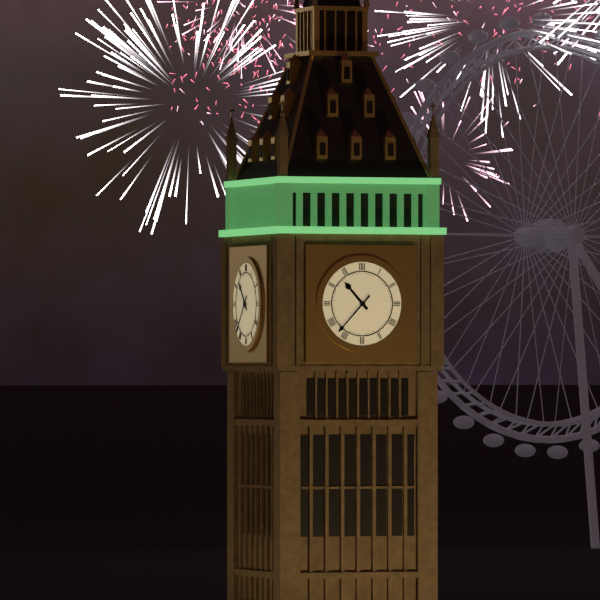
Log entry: 10:37
